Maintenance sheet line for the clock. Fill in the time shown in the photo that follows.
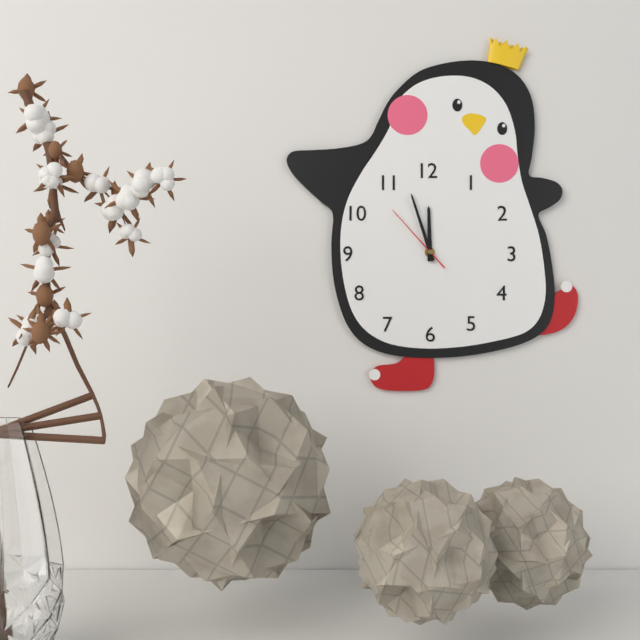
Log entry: 11:57:53
